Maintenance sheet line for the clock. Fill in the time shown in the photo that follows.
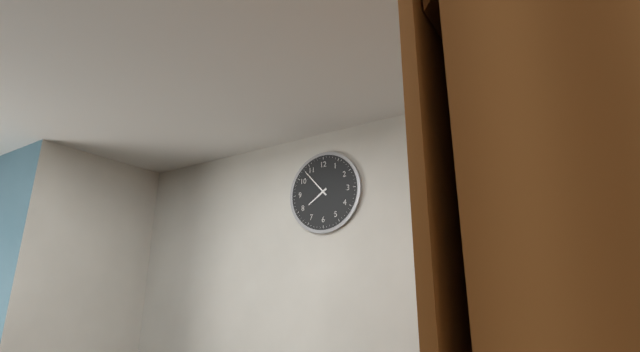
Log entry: 7:53
